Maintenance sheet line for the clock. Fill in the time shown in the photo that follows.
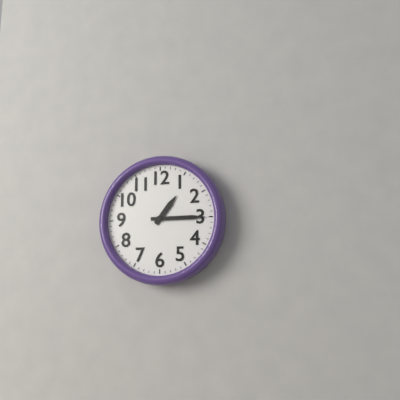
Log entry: 1:15
